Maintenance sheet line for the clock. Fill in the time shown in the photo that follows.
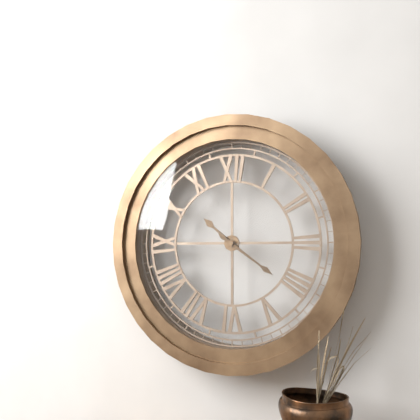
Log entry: 10:21
